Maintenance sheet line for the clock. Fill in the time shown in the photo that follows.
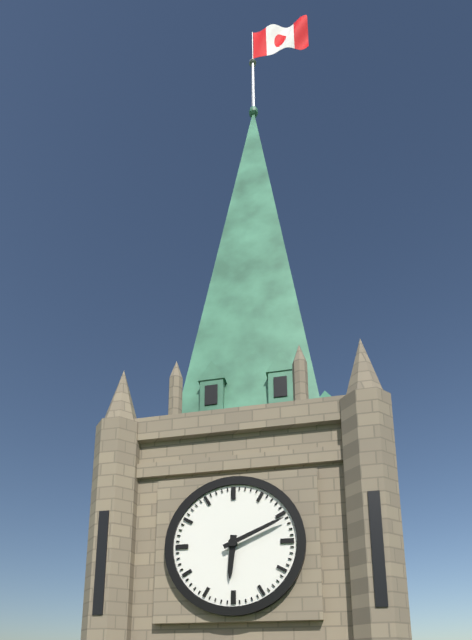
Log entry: 6:11
